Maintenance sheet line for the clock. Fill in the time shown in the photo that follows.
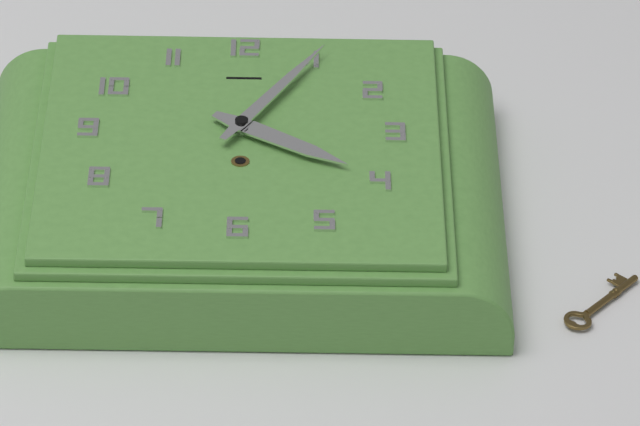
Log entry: 4:05
